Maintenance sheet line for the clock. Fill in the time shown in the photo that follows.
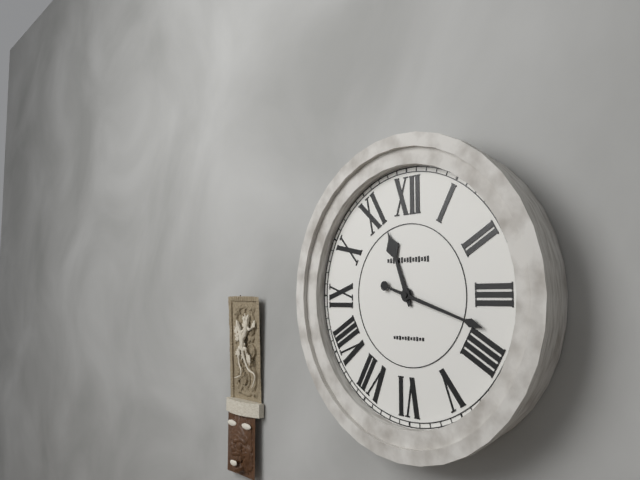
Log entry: 11:18
